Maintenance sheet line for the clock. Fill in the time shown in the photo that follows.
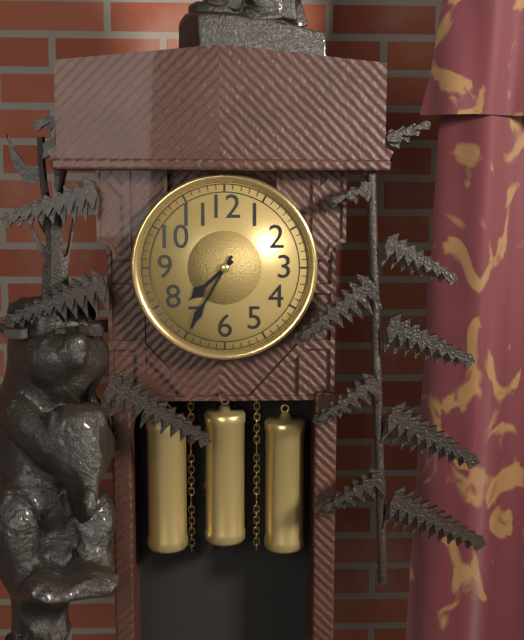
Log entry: 7:35
